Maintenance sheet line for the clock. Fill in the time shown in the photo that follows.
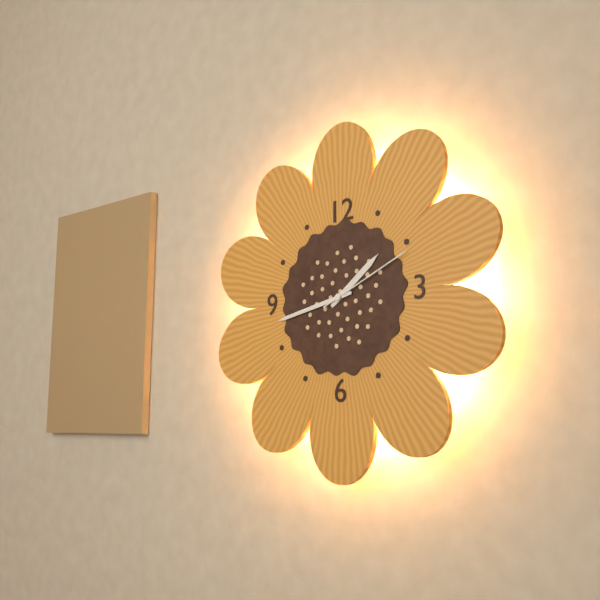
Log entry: 1:43:11
